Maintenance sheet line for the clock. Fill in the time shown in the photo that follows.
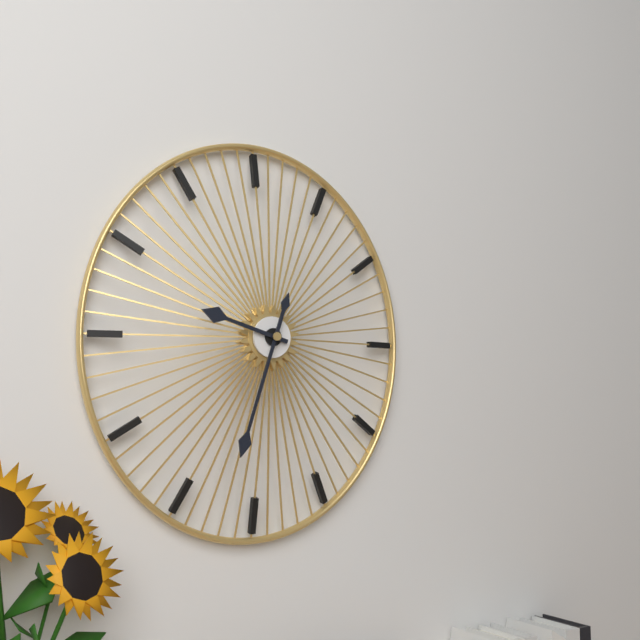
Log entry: 9:33
